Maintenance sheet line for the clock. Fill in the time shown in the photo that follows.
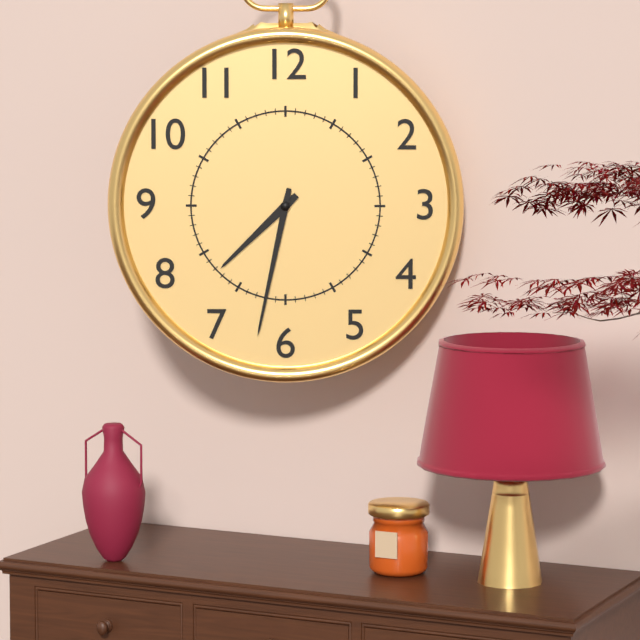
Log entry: 7:32
